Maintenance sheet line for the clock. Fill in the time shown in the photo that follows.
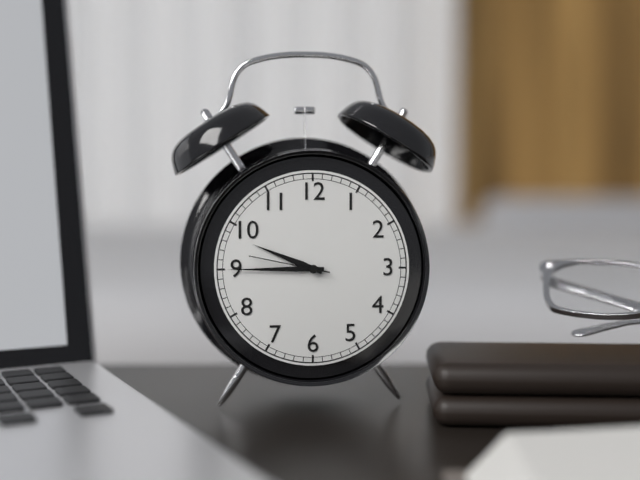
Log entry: 9:45:47
